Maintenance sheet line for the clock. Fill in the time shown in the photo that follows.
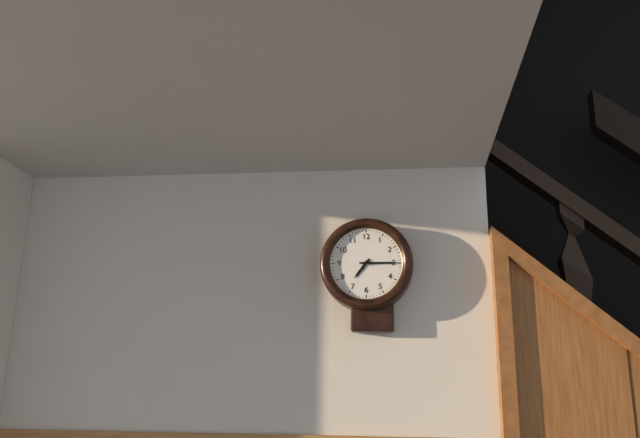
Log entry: 7:15
